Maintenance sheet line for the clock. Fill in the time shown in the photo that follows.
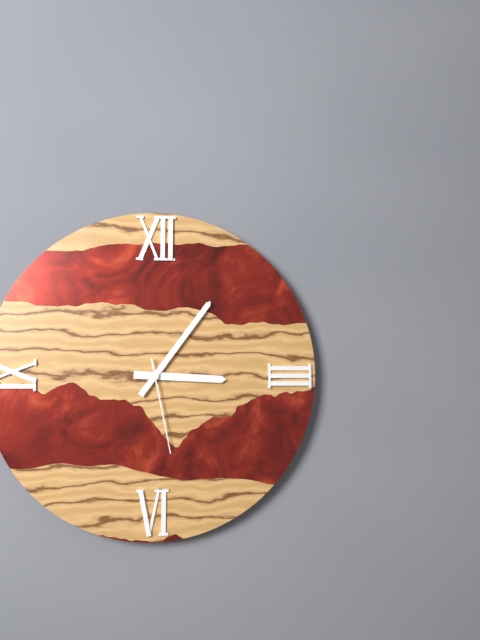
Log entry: 3:06:28
